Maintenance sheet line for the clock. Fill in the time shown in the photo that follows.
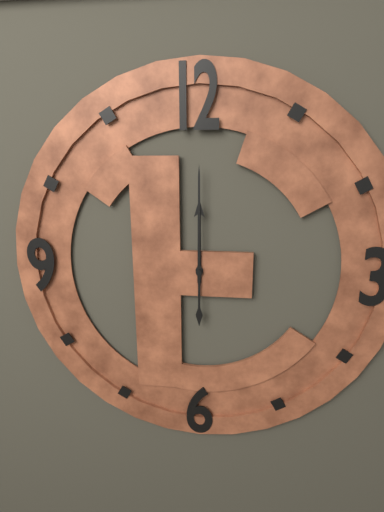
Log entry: 12:00
